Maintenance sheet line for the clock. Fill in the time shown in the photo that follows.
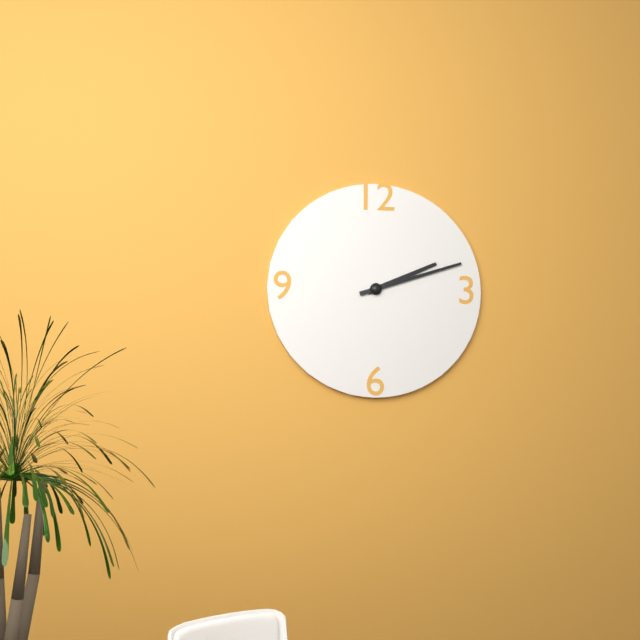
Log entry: 2:12
